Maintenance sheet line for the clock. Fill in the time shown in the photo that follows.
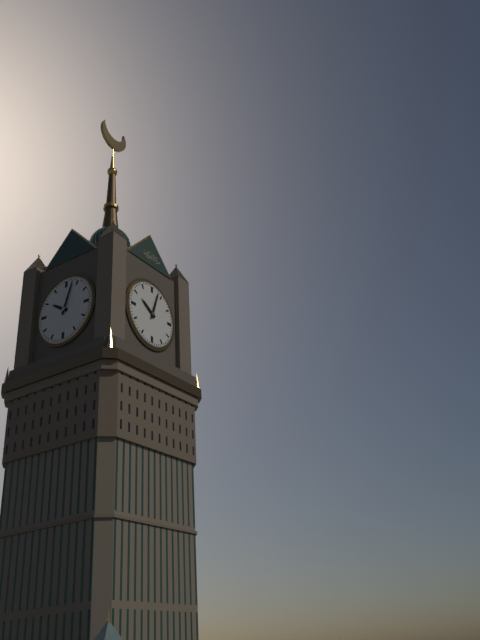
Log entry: 10:03
